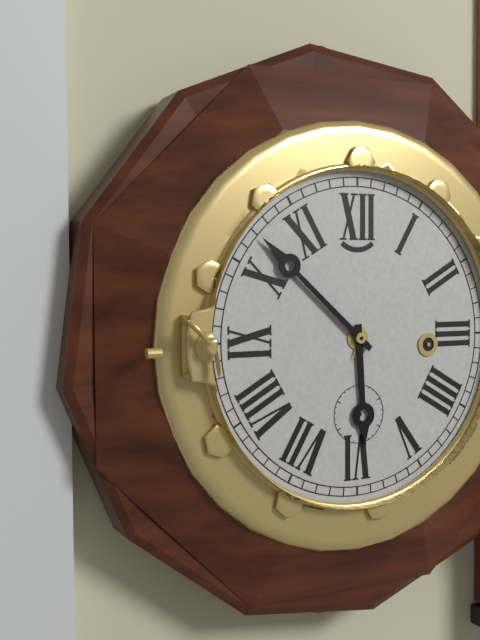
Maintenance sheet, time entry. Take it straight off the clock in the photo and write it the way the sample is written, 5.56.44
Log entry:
5.52.01
